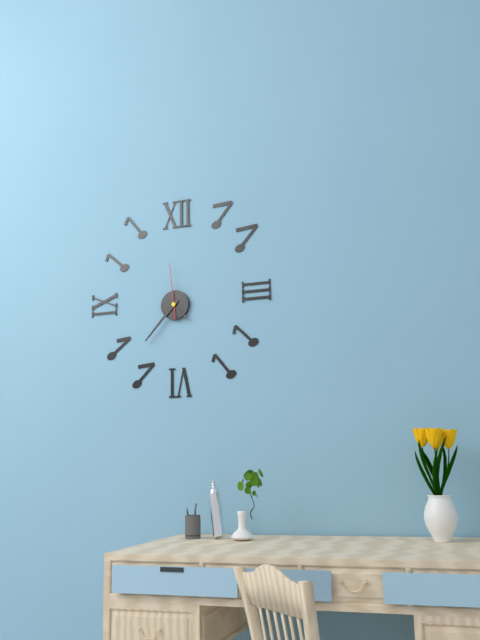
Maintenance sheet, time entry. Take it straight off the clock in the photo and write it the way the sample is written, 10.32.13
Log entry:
4.37.59
